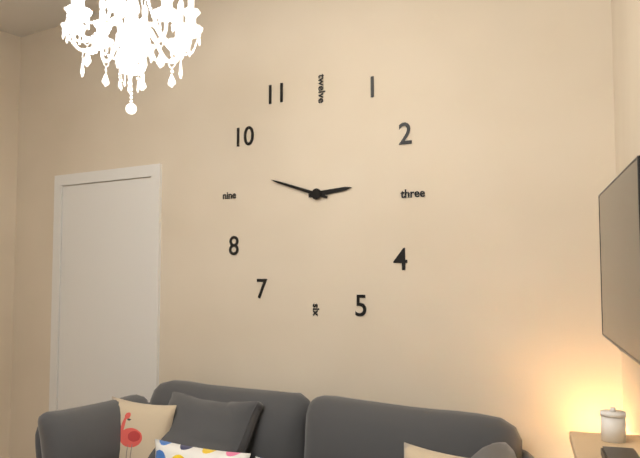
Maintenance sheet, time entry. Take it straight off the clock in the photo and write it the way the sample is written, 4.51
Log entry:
2.48
